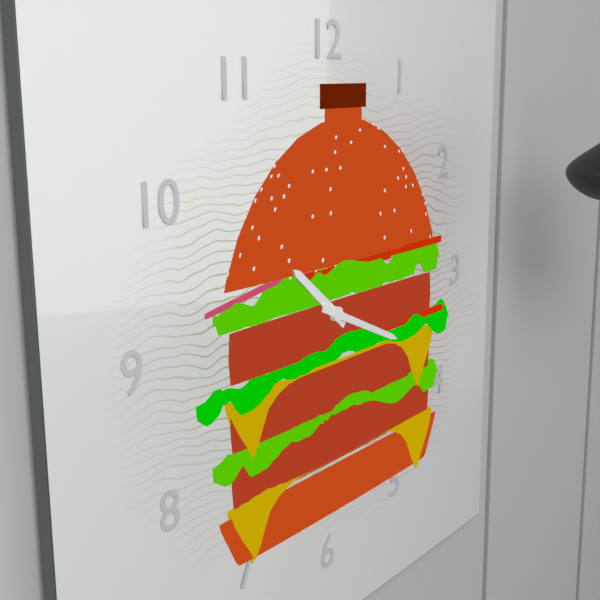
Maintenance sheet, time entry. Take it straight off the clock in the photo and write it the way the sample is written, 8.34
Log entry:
10.19
